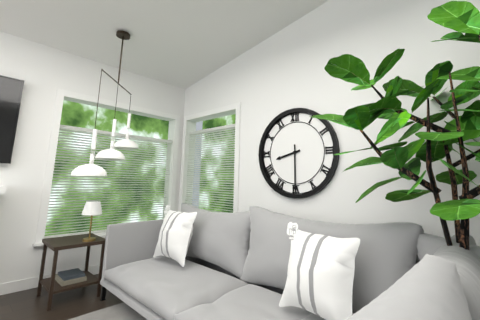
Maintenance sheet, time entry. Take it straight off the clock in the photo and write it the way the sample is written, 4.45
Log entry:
8.30
